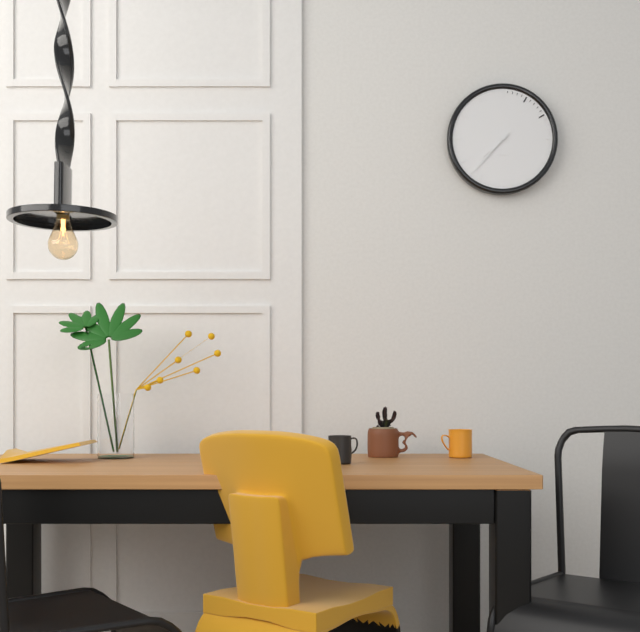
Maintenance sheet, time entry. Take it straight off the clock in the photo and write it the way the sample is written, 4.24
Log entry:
7.37
